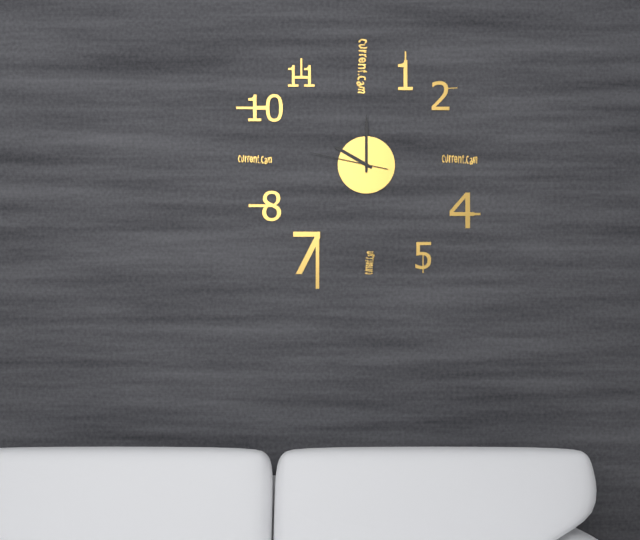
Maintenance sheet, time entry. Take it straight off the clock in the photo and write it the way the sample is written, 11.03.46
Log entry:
10.00.47
